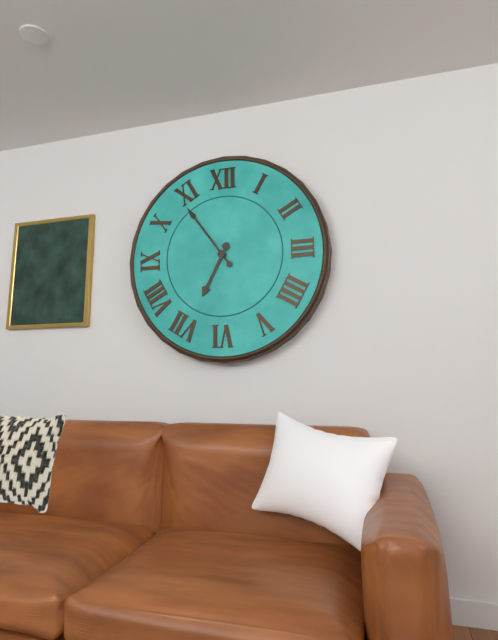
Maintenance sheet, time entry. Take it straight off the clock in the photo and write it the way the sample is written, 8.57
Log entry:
6.54
